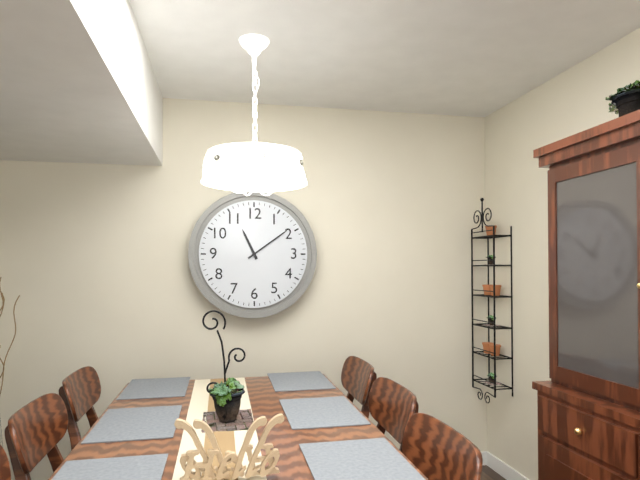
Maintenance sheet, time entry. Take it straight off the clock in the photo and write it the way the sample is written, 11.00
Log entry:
11.09
